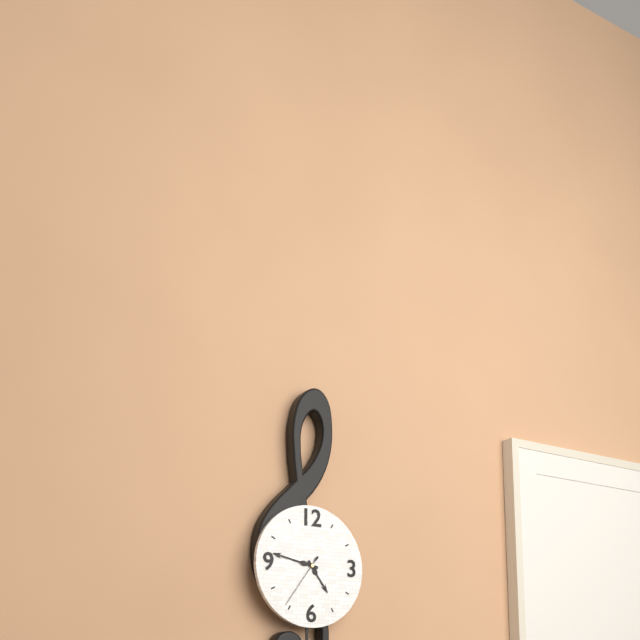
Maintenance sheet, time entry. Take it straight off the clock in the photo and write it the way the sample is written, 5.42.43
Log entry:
4.47.36
